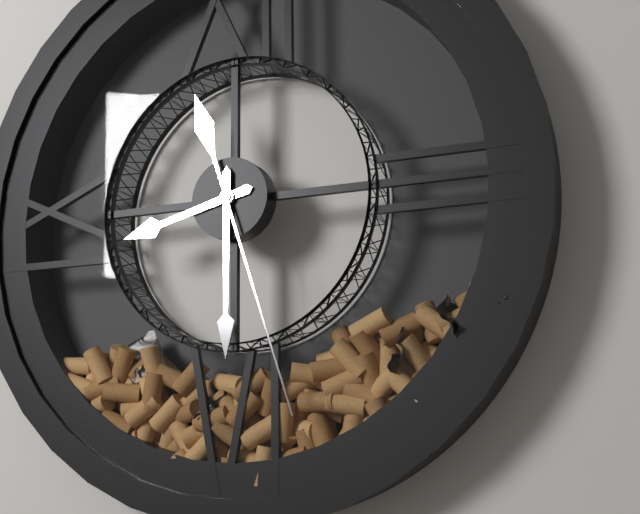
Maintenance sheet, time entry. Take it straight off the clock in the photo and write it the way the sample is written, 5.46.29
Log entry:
8.30.27
